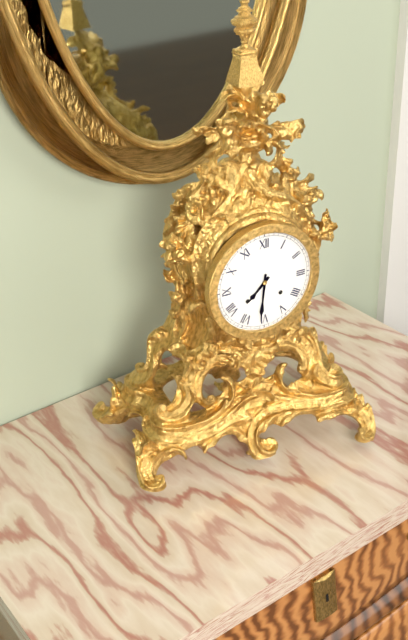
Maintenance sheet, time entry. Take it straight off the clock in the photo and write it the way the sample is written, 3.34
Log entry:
7.31
